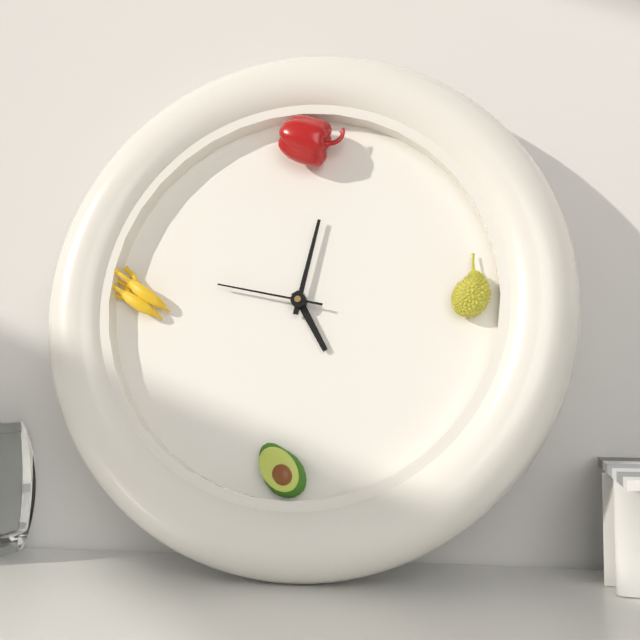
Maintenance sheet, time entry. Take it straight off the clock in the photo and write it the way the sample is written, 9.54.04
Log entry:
5.02.47
